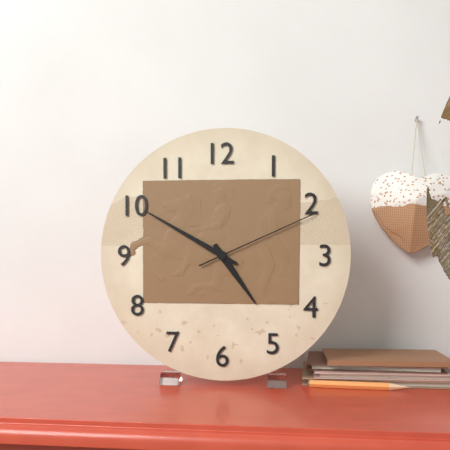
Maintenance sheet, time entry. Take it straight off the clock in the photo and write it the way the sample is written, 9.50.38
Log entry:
4.50.11
